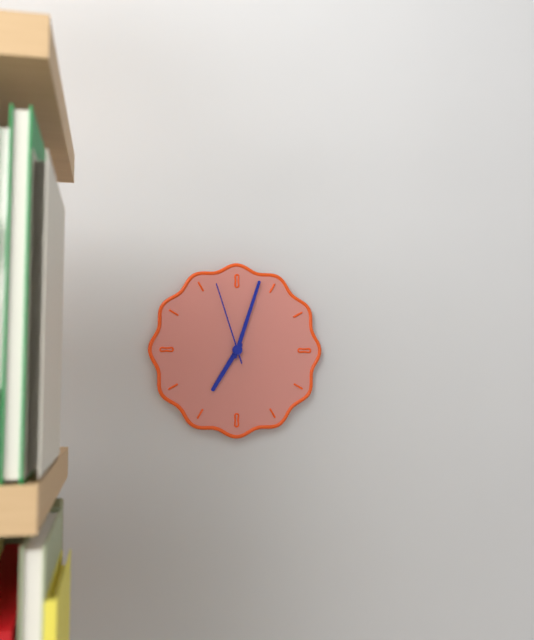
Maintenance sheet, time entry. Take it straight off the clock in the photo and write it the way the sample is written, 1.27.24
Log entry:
7.03.57
